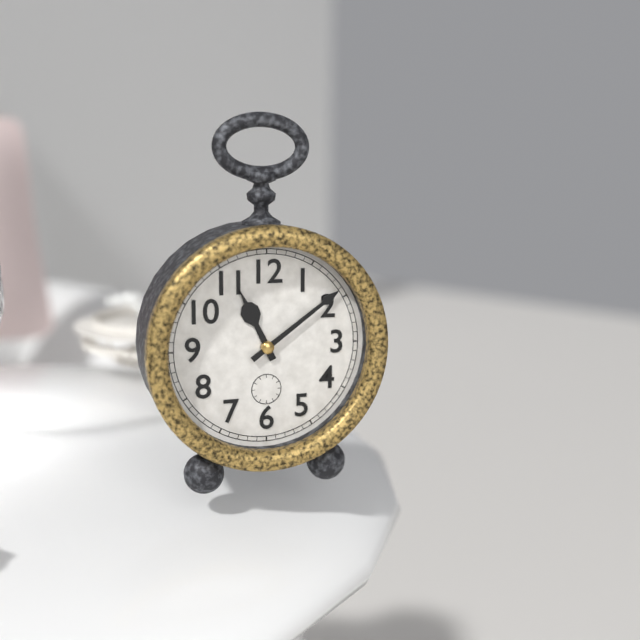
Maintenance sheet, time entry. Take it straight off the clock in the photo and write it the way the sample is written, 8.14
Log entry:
11.09
